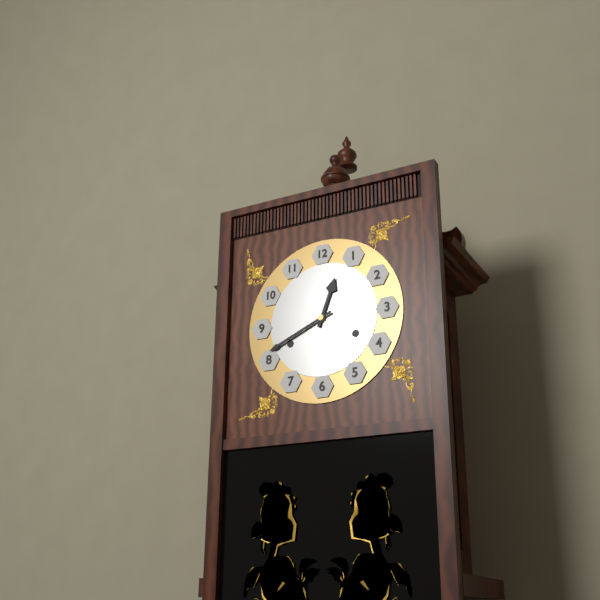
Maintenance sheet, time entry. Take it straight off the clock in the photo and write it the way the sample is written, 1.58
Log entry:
12.41
